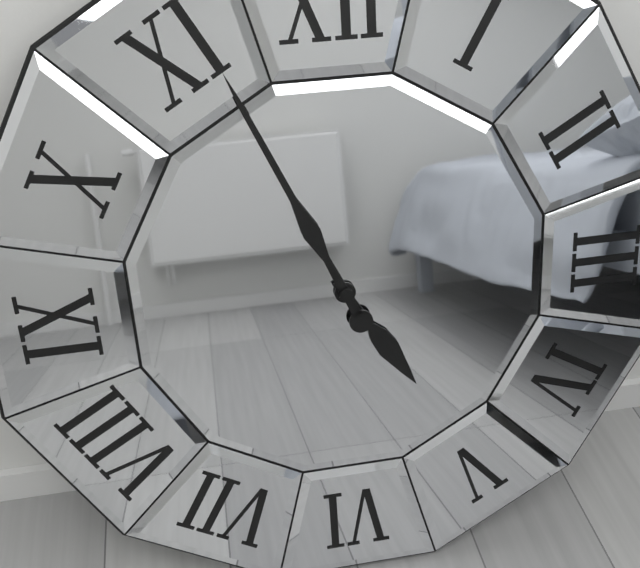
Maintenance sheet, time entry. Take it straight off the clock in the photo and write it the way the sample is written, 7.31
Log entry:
4.56
